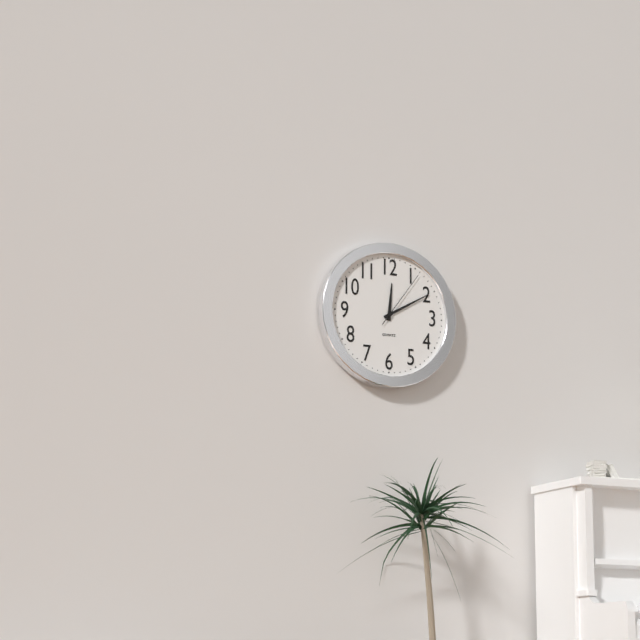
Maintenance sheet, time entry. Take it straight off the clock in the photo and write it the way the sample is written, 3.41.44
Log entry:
12.10.06
